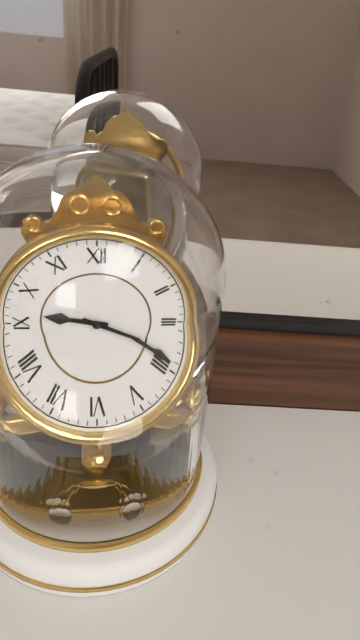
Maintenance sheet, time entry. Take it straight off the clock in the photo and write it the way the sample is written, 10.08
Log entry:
9.19
